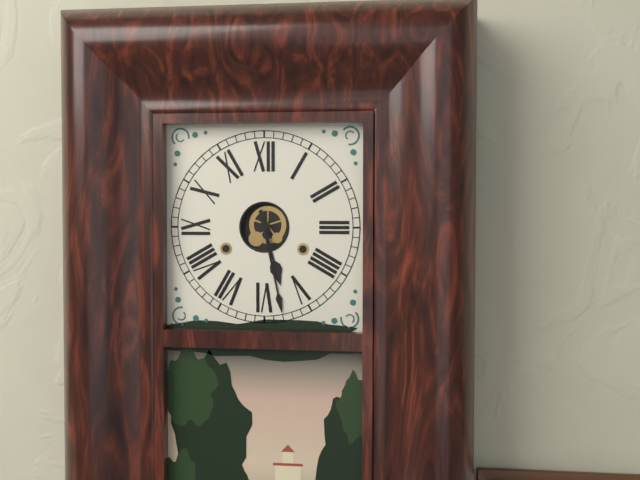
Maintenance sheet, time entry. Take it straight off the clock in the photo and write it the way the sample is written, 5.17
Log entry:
5.28
